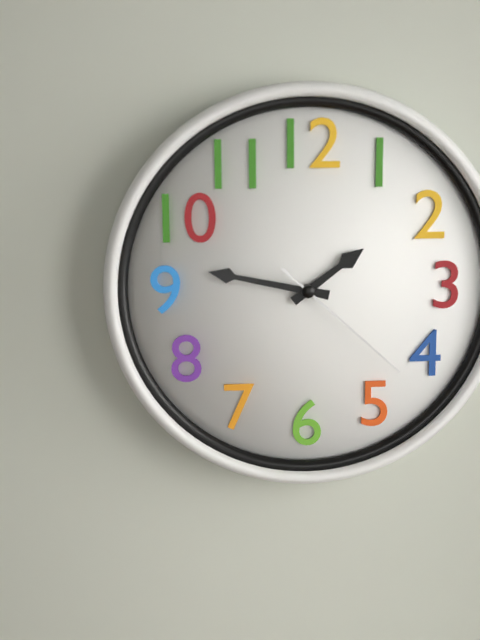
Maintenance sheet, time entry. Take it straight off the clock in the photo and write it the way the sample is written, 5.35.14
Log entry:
1.47.22
